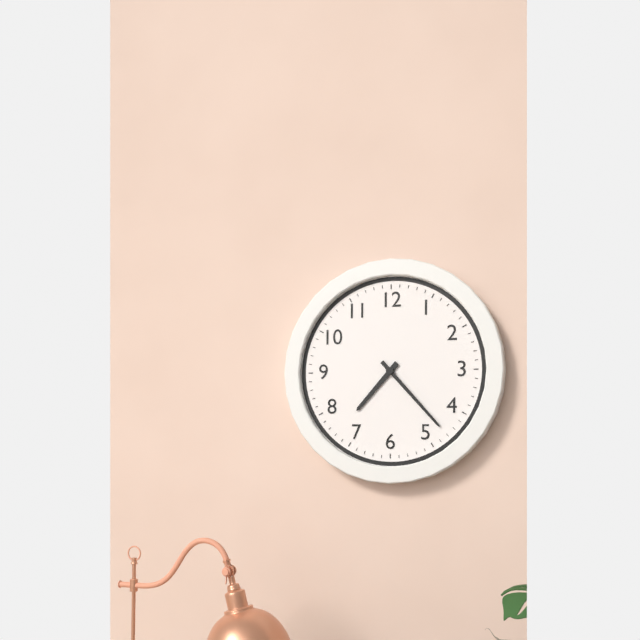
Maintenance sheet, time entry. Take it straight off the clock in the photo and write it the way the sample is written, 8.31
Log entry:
7.23
